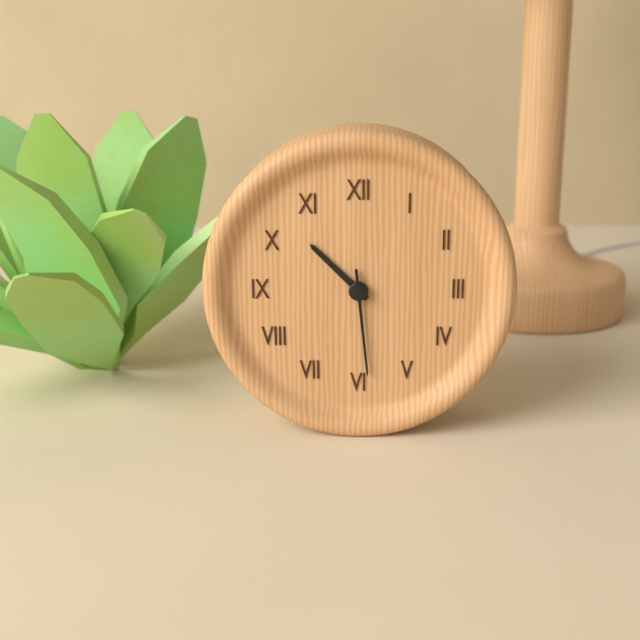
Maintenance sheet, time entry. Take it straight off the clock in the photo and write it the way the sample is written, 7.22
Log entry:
10.29
